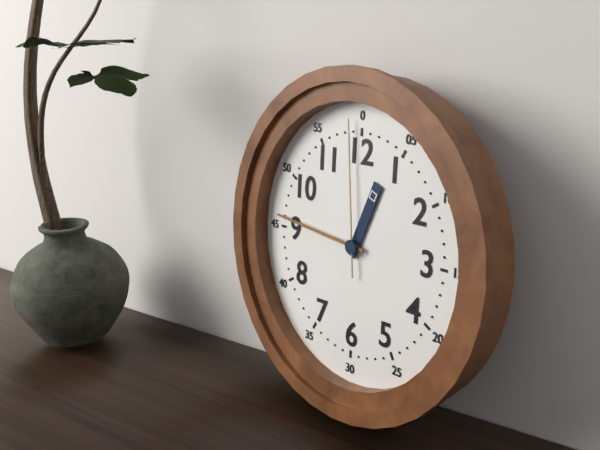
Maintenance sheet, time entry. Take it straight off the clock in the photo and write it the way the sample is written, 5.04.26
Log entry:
12.46.59
